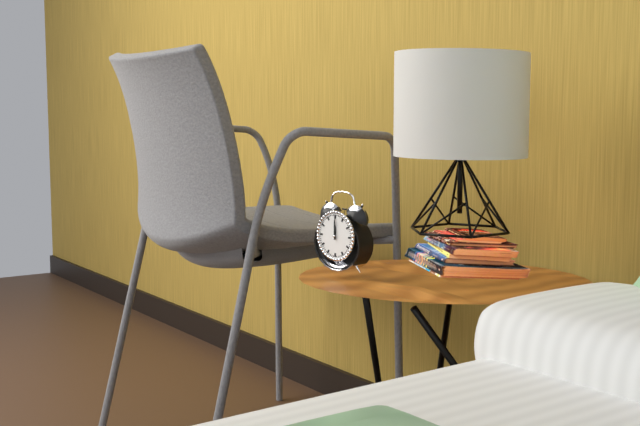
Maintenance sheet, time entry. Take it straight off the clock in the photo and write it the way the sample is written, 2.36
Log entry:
12.00
